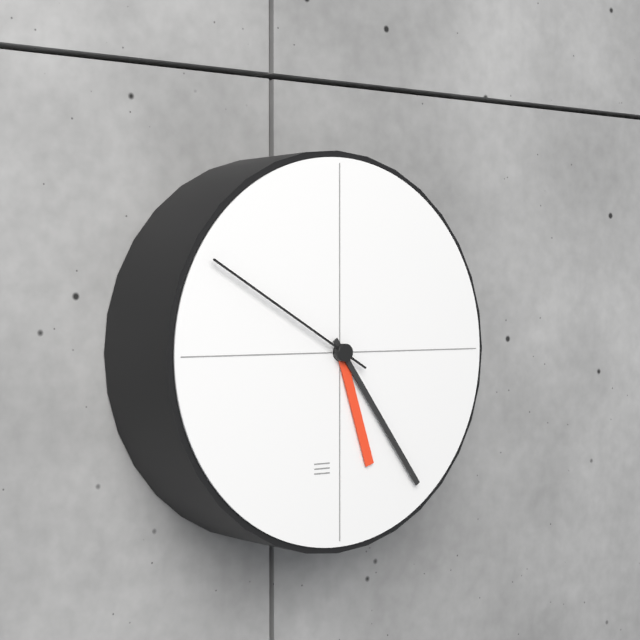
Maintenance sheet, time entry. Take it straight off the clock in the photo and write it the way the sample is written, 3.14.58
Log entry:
5.24.50
